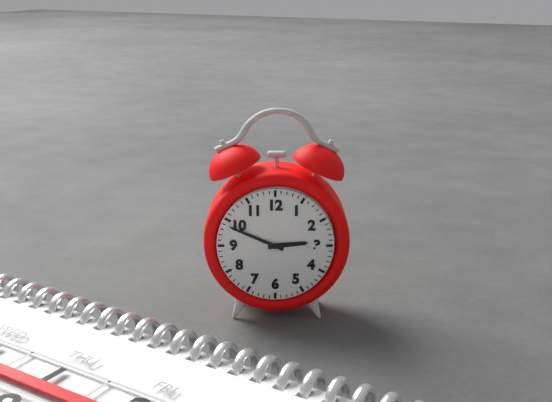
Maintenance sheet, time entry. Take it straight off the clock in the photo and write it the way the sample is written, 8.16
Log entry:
2.49
